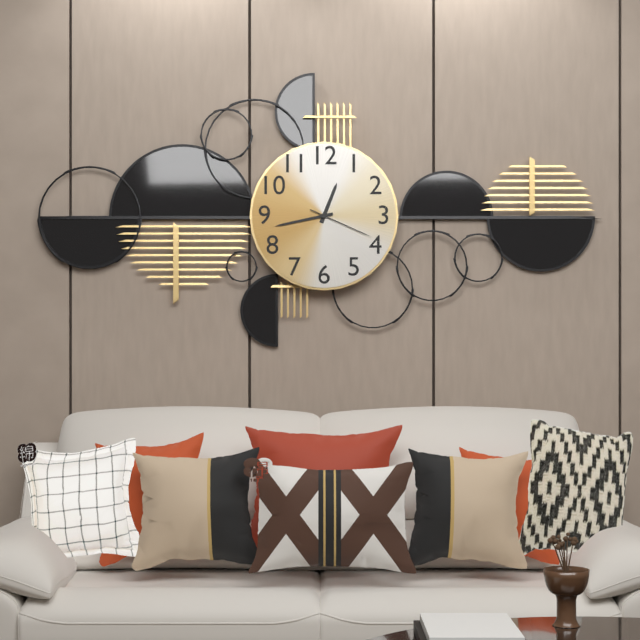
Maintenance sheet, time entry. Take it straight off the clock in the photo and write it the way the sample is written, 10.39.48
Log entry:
12.43.19
